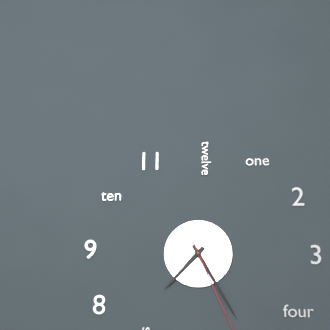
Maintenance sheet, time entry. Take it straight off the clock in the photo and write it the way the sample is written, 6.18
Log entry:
7.25
